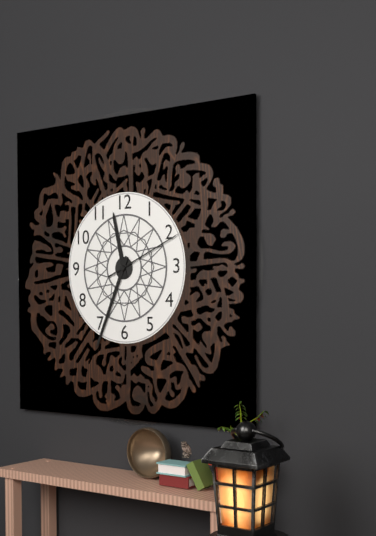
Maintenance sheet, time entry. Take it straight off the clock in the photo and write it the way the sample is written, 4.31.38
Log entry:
11.34.11
